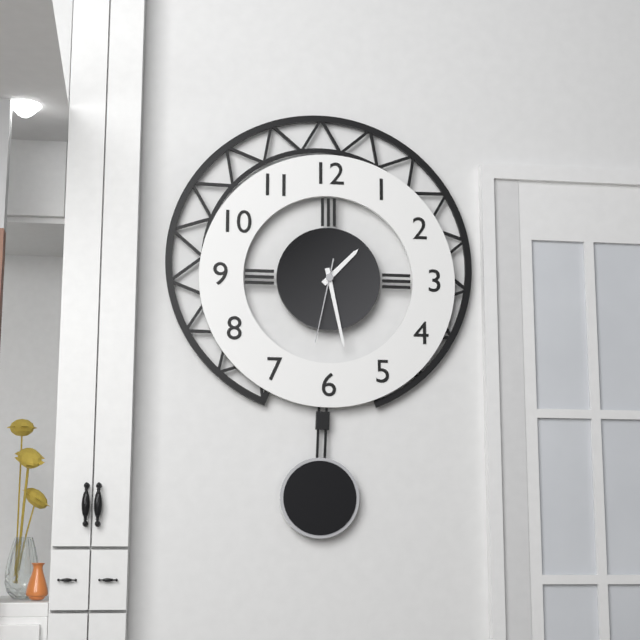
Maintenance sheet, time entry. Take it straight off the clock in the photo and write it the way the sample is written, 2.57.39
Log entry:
1.28.32
